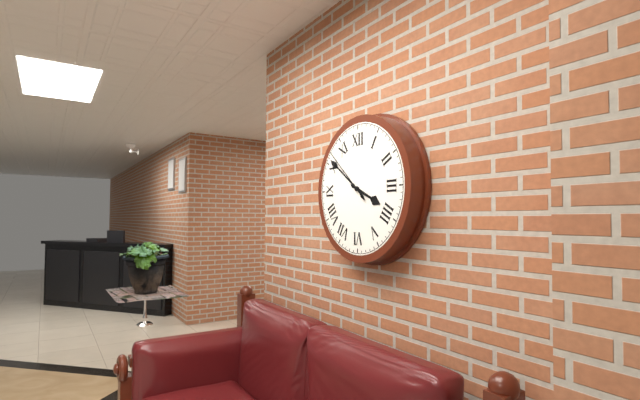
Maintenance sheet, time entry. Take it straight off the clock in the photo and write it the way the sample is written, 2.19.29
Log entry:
3.51.52
